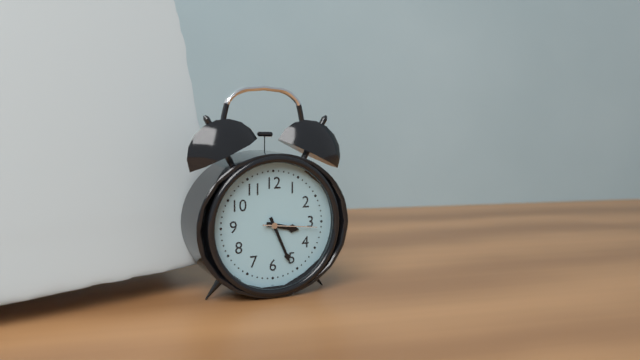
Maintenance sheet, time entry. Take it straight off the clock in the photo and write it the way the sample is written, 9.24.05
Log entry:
3.26.16
